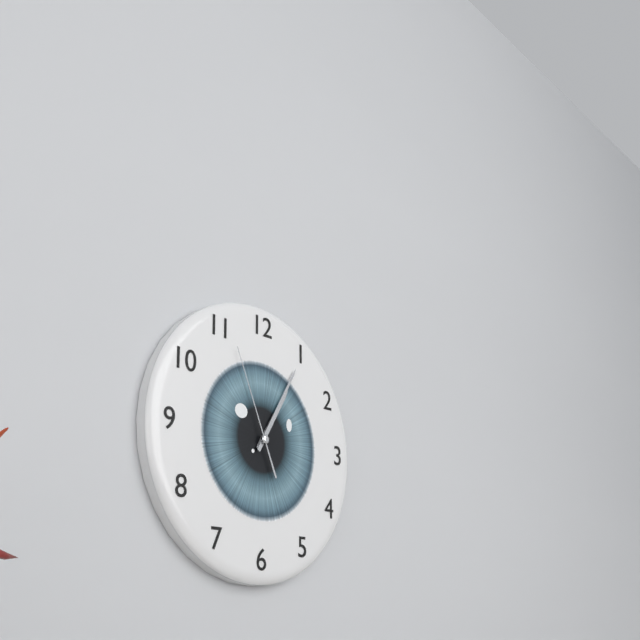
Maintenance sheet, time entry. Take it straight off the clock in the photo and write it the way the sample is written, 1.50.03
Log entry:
1.05.56
